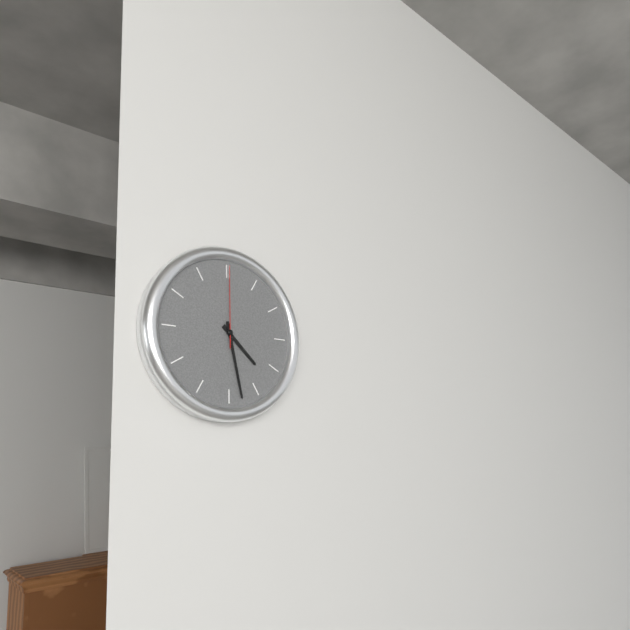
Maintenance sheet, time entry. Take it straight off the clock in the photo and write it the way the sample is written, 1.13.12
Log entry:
4.28.00
